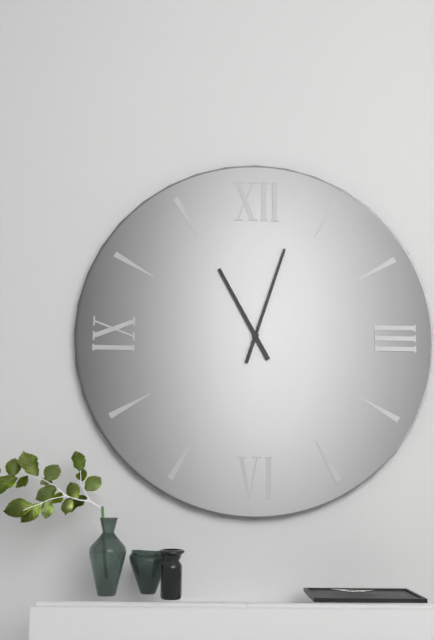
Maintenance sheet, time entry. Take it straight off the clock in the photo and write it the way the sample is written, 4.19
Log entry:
11.03
